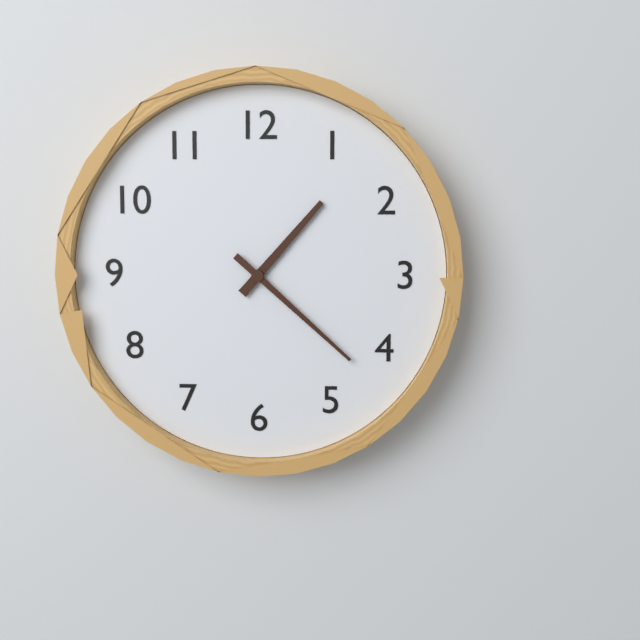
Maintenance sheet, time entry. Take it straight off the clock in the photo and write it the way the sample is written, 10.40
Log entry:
1.22
